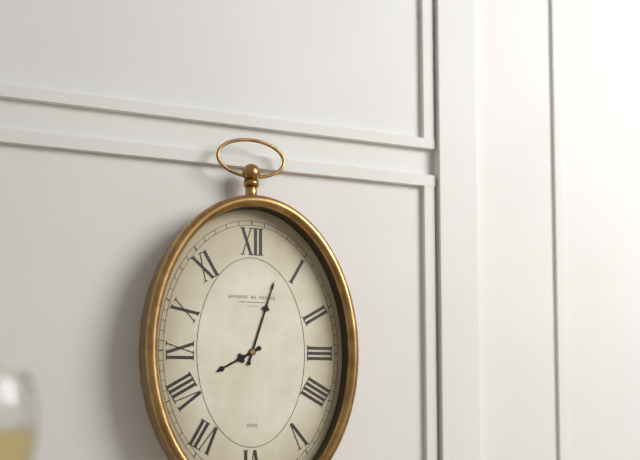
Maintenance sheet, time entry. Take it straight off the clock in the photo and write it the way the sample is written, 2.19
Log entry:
8.03
